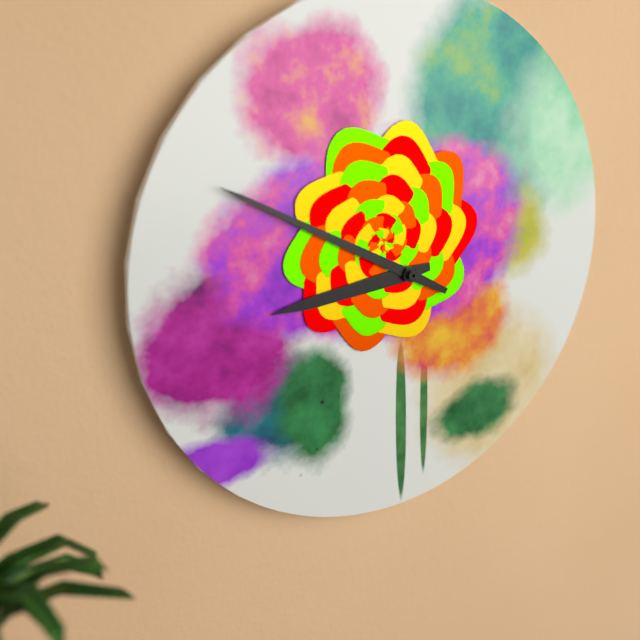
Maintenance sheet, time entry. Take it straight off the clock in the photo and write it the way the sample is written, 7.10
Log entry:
8.50
